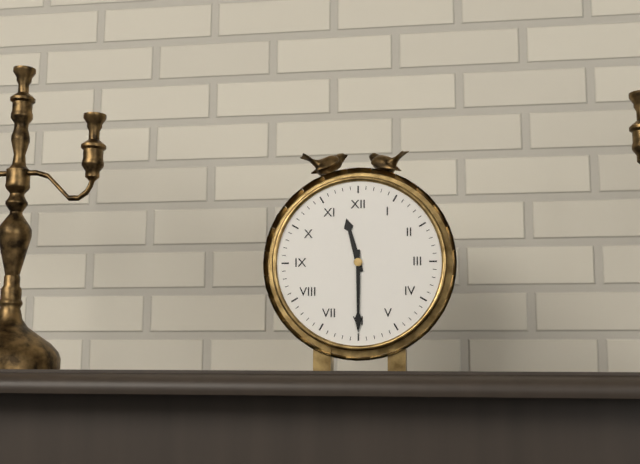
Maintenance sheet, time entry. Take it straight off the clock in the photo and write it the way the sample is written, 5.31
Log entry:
11.30
